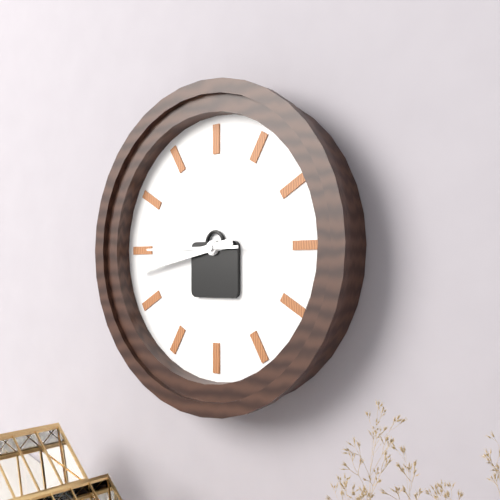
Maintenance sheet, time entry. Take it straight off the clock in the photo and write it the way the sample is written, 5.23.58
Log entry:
8.43.45
